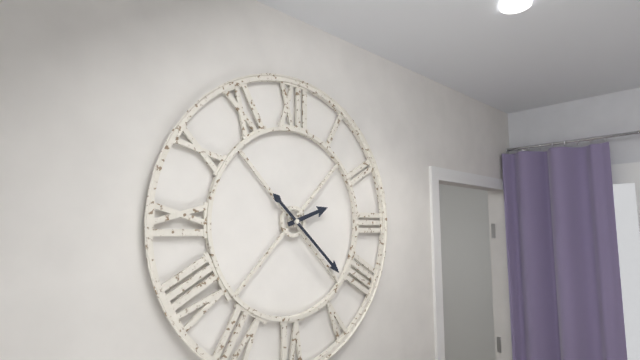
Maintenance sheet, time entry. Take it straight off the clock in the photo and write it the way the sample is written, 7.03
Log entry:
2.22
